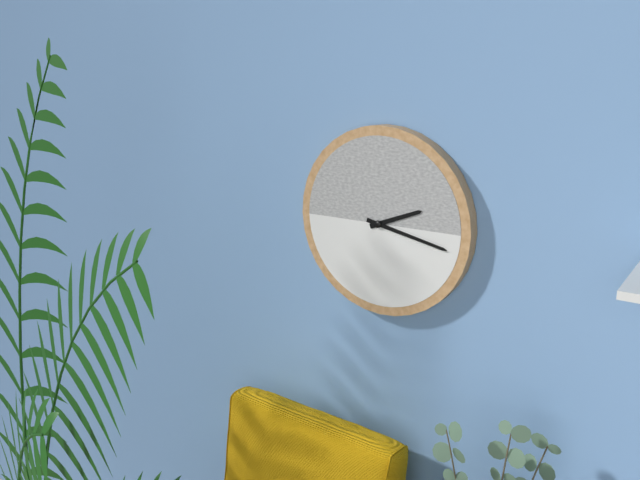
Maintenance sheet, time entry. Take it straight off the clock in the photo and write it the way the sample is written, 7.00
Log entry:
2.17
